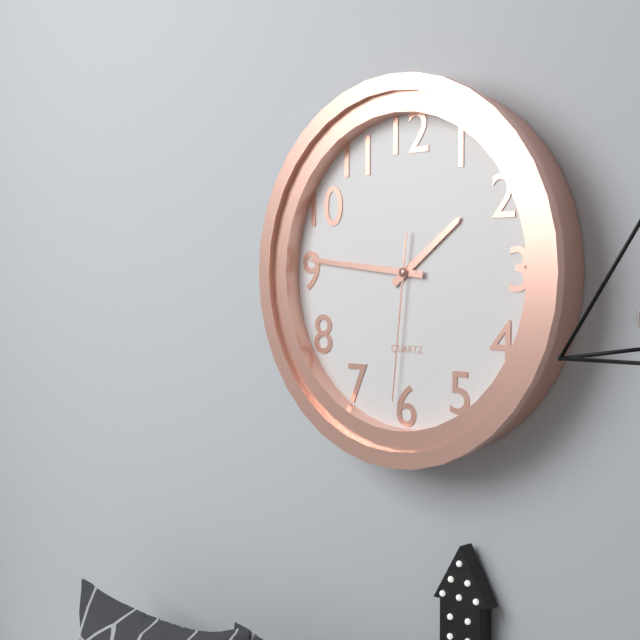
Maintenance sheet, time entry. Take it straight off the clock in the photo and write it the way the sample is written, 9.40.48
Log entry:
1.46.31
